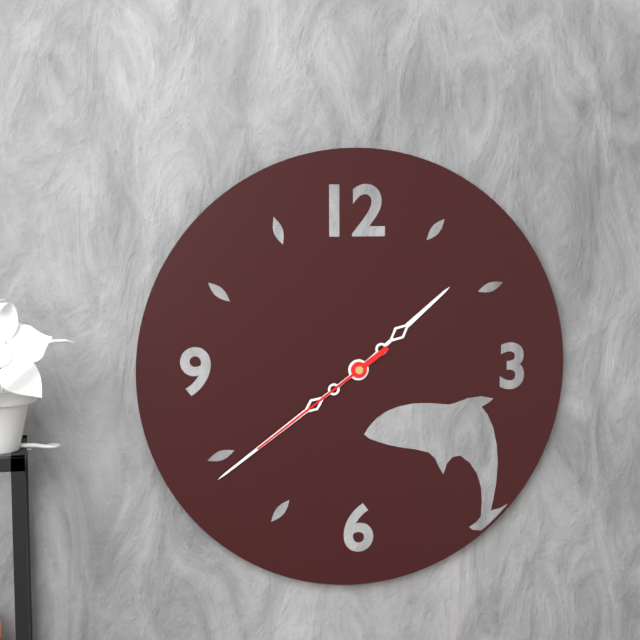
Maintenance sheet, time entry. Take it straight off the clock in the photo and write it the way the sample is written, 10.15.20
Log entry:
1.39.39
